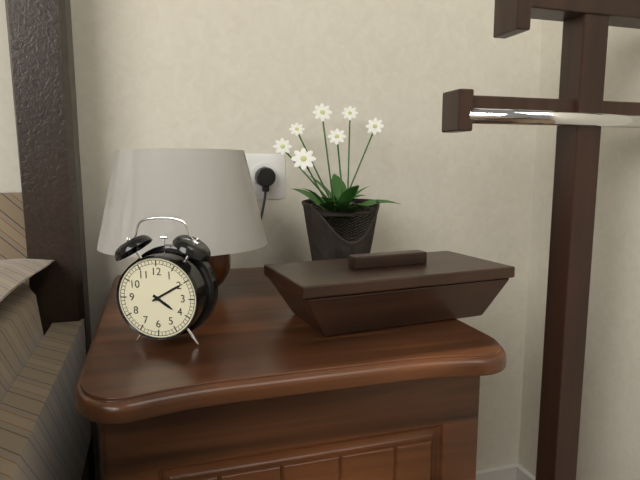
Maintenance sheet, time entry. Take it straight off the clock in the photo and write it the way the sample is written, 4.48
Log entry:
4.10
